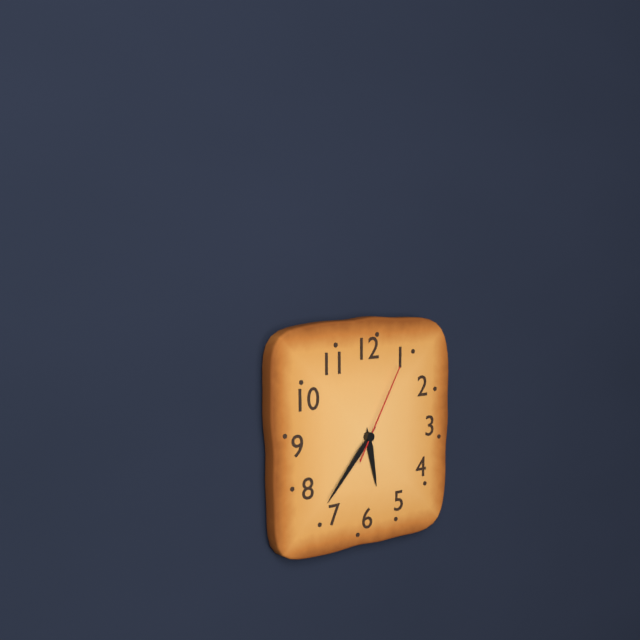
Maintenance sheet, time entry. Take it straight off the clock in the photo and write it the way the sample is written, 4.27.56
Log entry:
5.37.05
